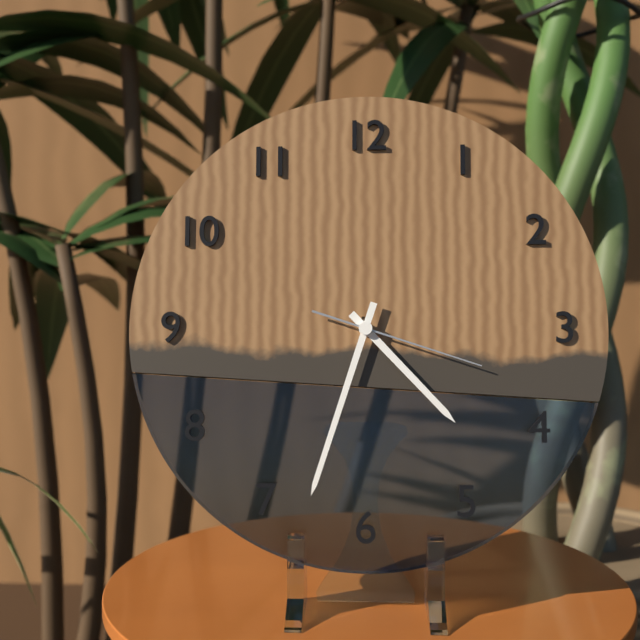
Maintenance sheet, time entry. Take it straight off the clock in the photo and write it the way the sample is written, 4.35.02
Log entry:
4.33.18
